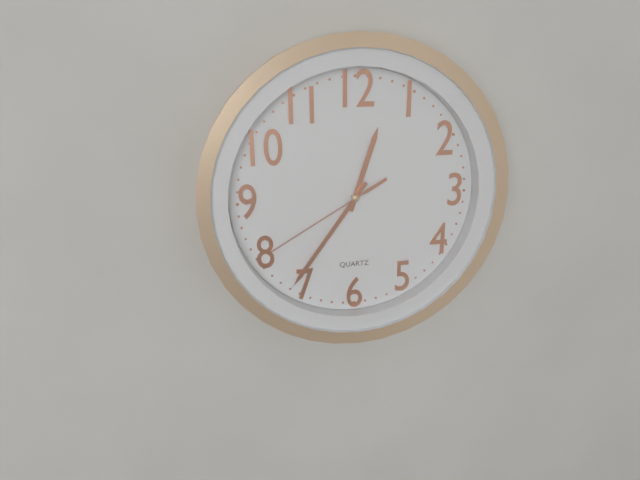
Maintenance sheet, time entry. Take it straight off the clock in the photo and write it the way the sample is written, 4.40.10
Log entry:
12.36.40
